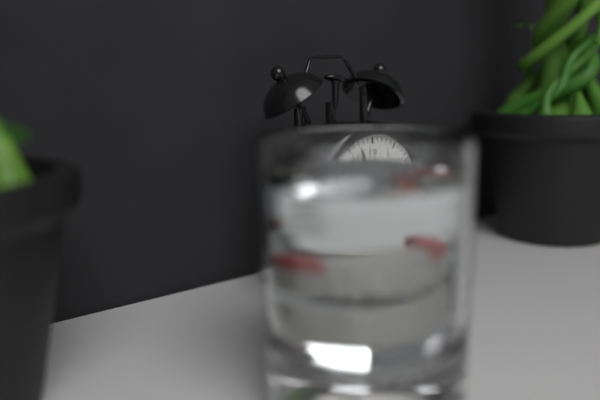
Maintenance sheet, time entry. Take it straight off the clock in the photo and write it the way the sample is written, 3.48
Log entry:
5.57
